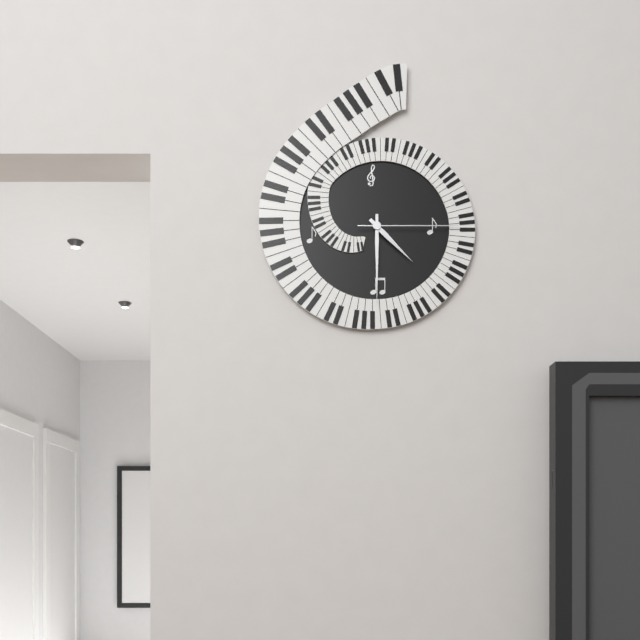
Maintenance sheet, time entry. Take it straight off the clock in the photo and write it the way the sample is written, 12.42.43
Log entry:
4.30.15
